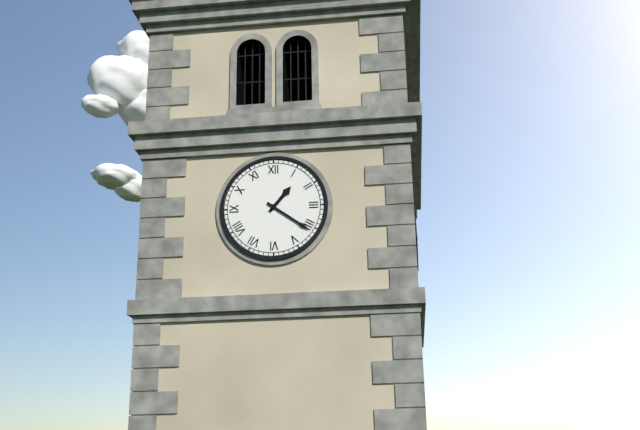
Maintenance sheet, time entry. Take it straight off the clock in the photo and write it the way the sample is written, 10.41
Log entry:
1.21
